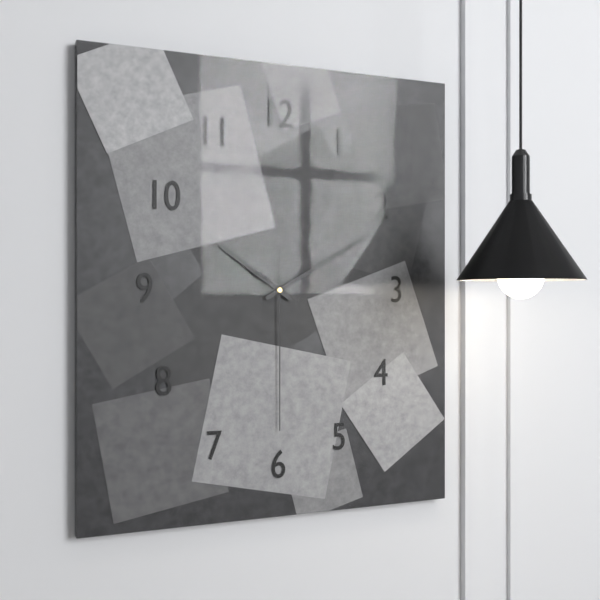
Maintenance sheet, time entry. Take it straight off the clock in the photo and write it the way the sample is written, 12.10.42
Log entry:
10.10.30
